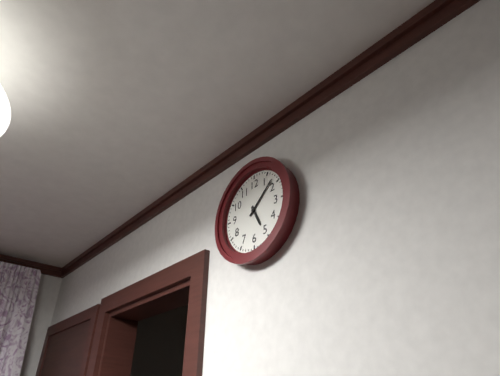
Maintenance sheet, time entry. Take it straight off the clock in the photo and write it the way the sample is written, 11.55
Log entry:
5.08
